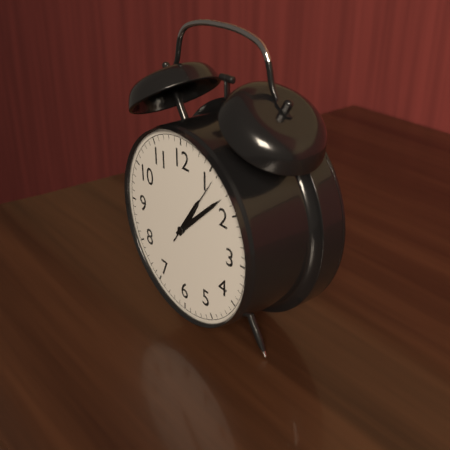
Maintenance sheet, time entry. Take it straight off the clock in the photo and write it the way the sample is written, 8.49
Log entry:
1.08
